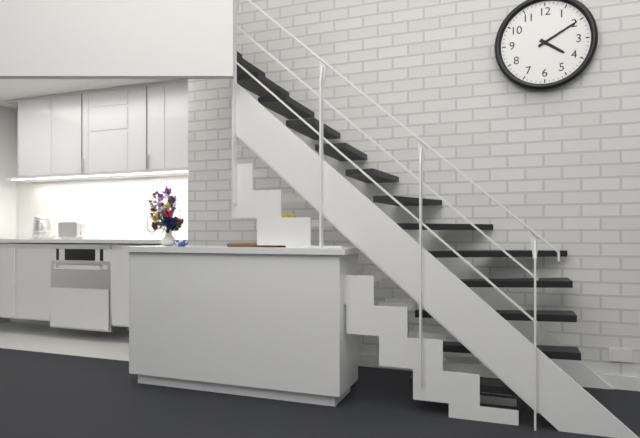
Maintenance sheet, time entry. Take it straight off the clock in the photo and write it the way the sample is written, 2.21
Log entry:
4.10
